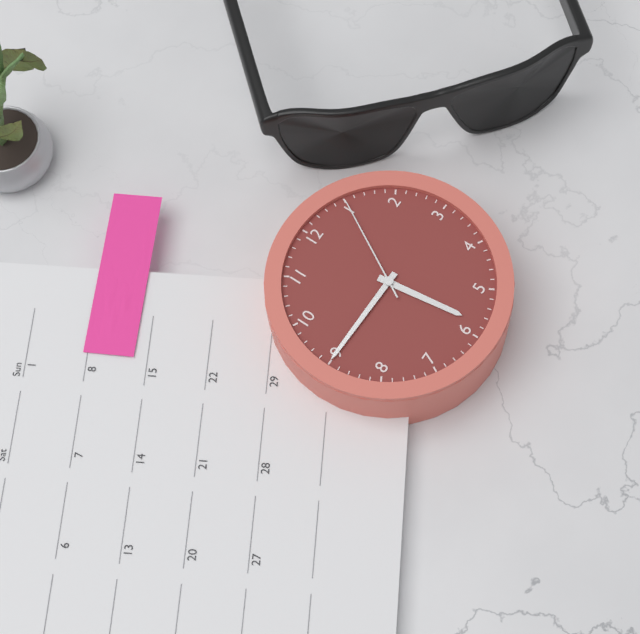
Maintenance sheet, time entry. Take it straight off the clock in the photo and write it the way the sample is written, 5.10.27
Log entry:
5.45.05
